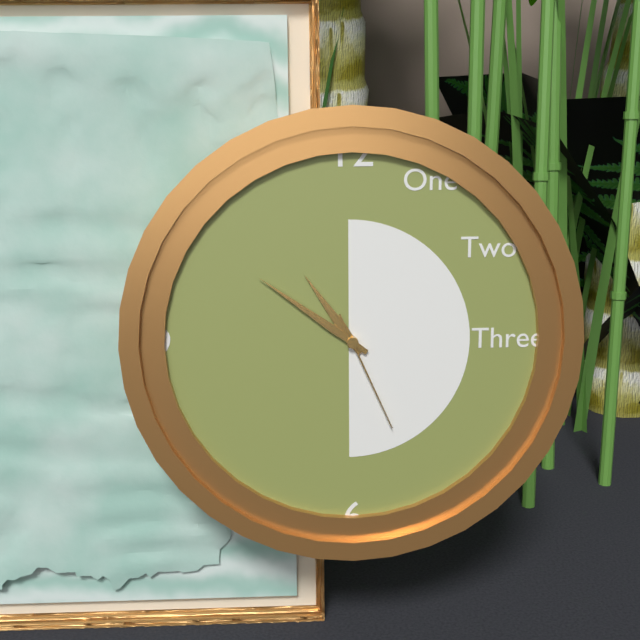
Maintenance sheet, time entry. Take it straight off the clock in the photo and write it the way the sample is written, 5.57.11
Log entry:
10.51.26
